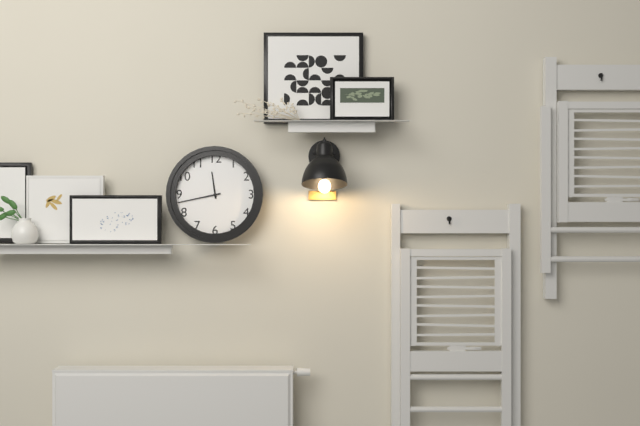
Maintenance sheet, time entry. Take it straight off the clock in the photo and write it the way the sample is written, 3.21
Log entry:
11.43
